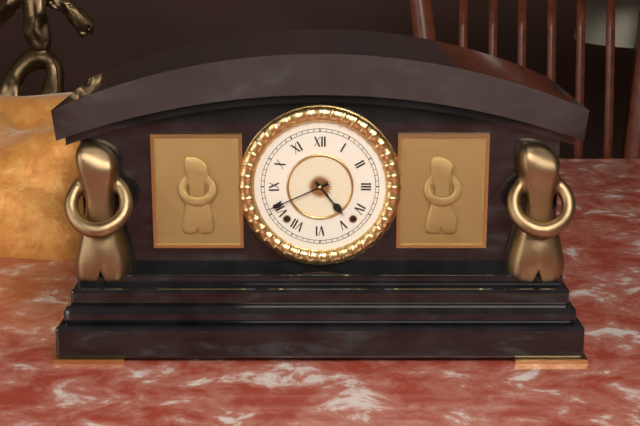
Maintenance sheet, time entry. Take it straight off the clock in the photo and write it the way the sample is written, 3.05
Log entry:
4.41
